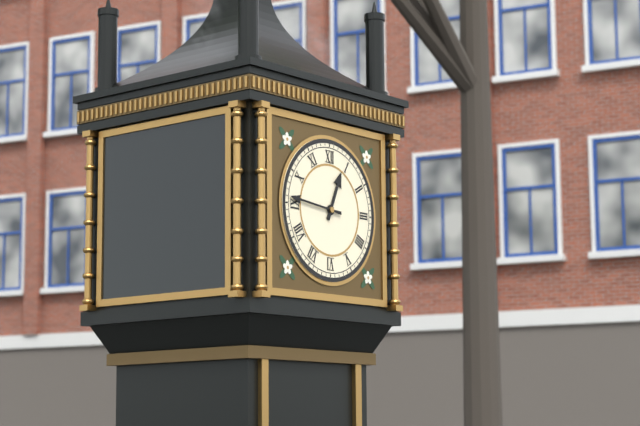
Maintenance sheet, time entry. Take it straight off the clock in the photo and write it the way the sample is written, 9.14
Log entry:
12.46
